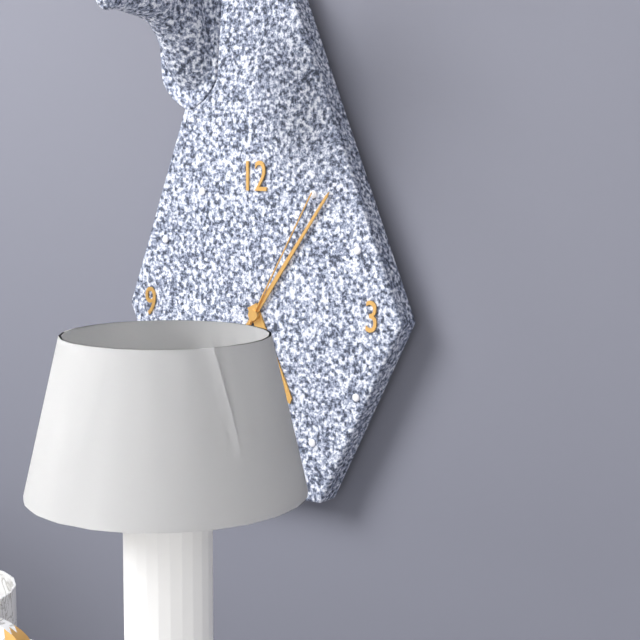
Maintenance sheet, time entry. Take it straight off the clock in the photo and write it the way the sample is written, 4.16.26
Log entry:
5.06.05
